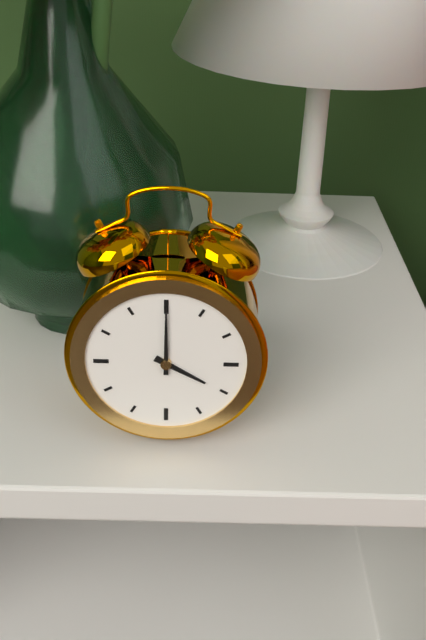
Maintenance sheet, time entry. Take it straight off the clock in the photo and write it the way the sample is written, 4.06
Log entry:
4.00
